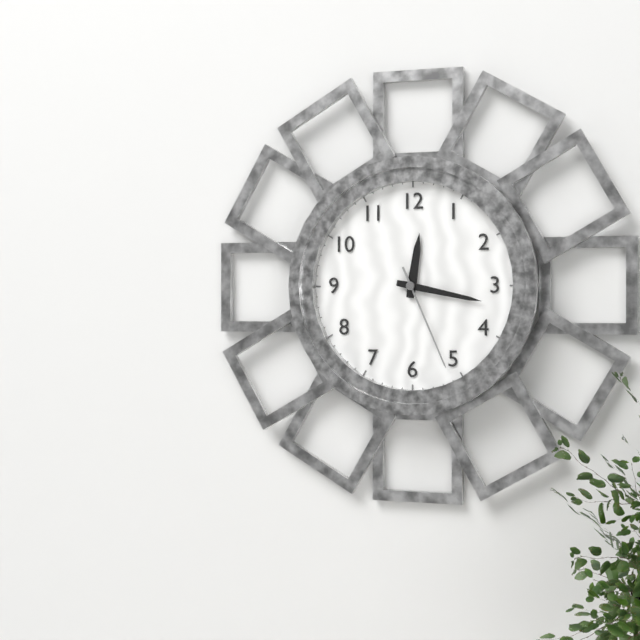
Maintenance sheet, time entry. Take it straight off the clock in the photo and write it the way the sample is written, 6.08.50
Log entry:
12.17.26
